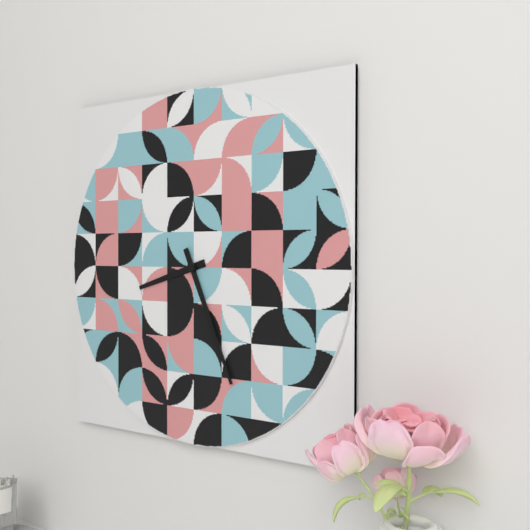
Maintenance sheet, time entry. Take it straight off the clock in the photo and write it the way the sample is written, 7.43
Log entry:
8.26
